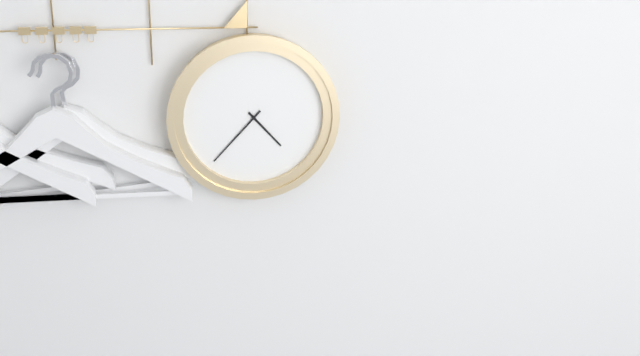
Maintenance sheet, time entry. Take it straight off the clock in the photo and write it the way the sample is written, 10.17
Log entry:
4.37
